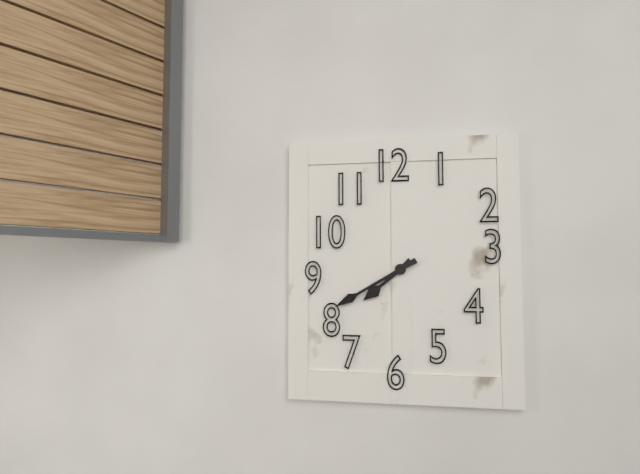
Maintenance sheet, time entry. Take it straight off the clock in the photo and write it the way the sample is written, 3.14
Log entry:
7.40
